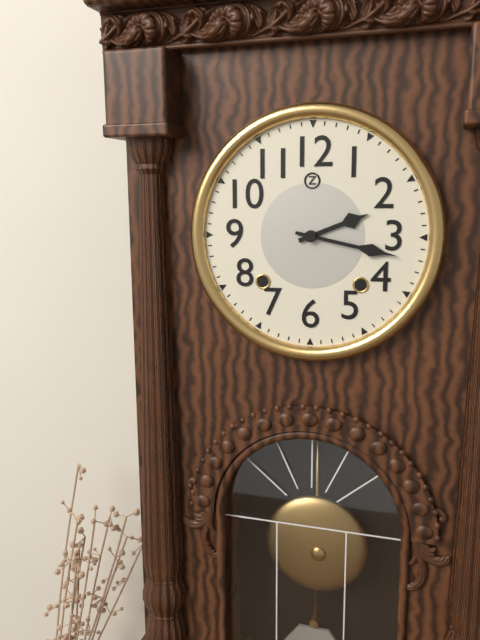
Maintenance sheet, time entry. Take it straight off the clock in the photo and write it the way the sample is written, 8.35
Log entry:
2.17
